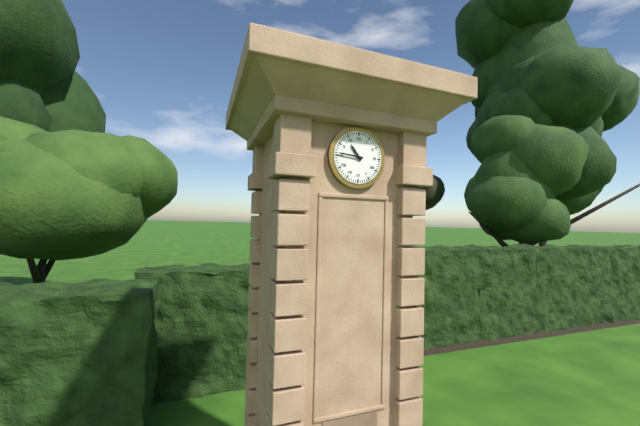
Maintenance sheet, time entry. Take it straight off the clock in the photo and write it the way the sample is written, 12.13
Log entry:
10.46
